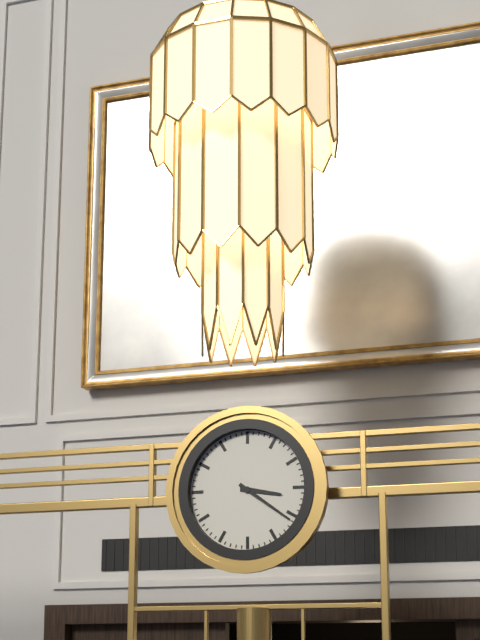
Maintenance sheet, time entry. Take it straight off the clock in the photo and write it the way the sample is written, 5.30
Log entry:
3.21
